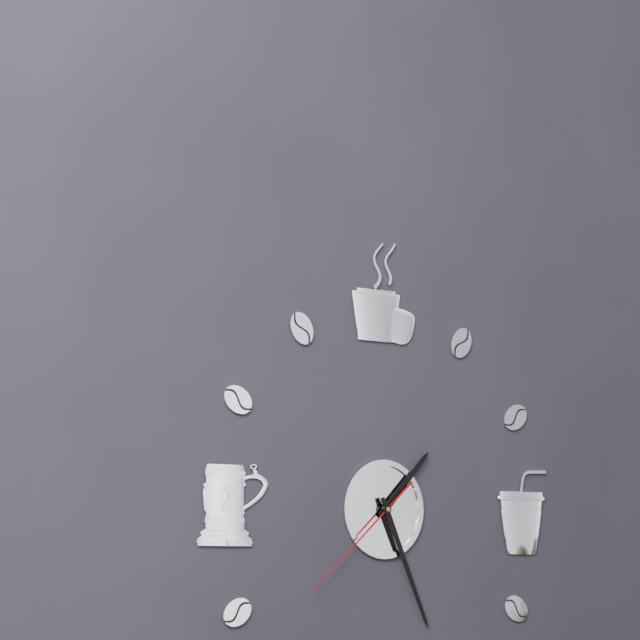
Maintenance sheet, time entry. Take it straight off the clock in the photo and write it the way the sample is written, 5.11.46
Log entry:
1.26.38
